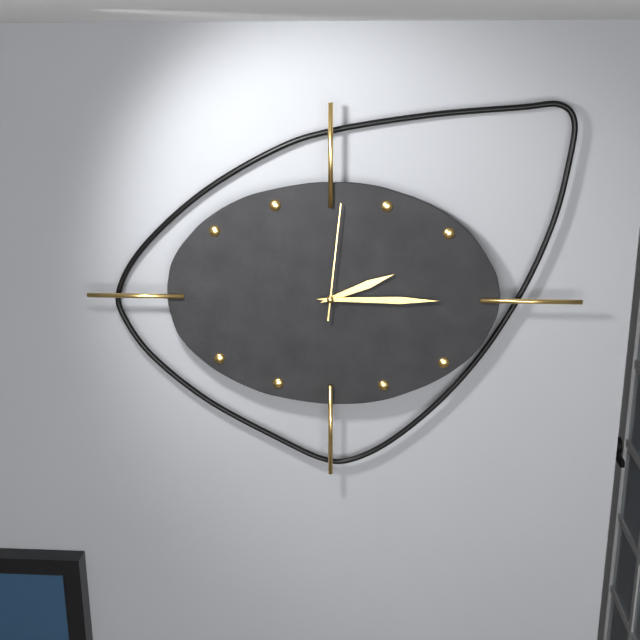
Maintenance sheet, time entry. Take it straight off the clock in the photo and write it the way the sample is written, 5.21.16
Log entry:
2.15.01
